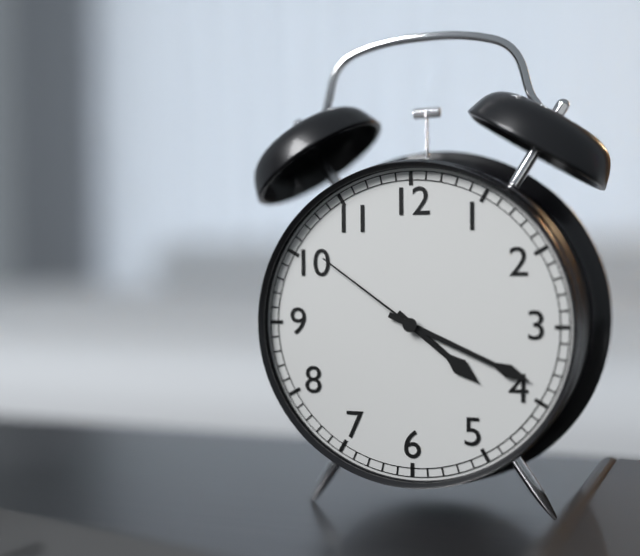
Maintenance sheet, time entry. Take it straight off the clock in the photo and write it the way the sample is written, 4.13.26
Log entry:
4.19.51
